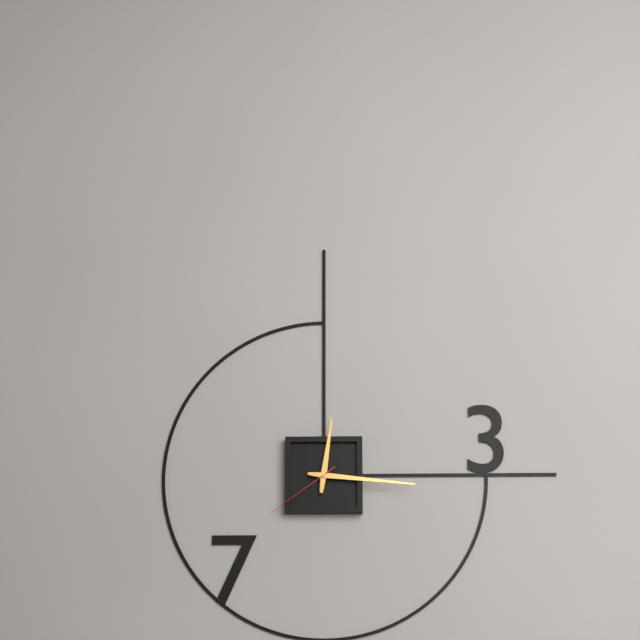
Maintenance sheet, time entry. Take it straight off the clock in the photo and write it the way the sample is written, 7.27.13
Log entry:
12.16.39
